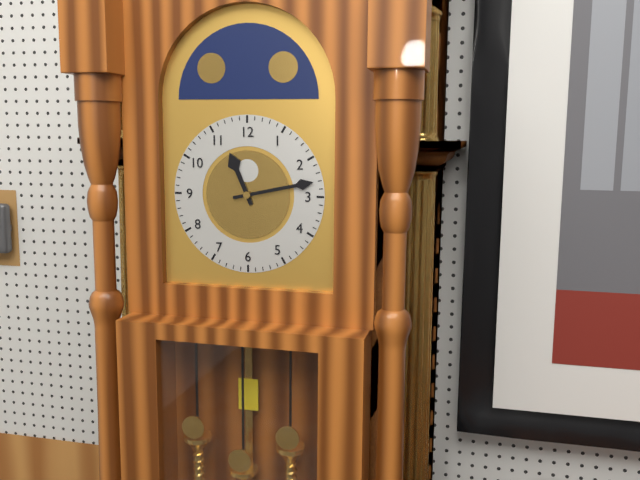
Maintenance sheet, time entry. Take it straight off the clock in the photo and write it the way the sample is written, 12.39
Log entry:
11.13
